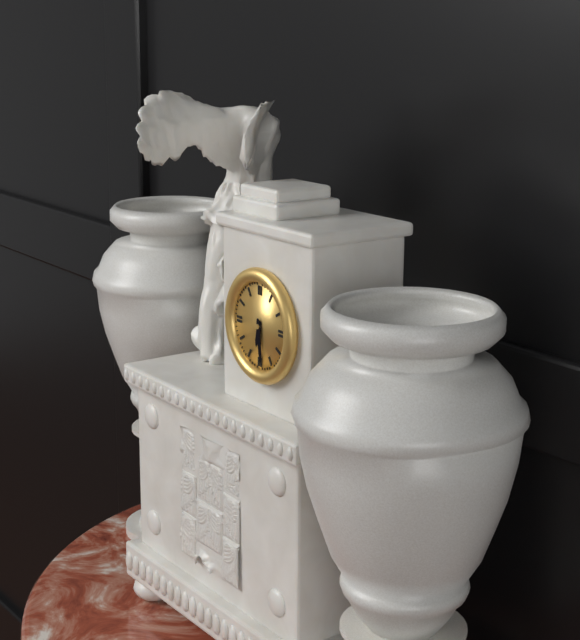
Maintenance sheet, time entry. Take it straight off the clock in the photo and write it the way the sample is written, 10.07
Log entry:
6.29
